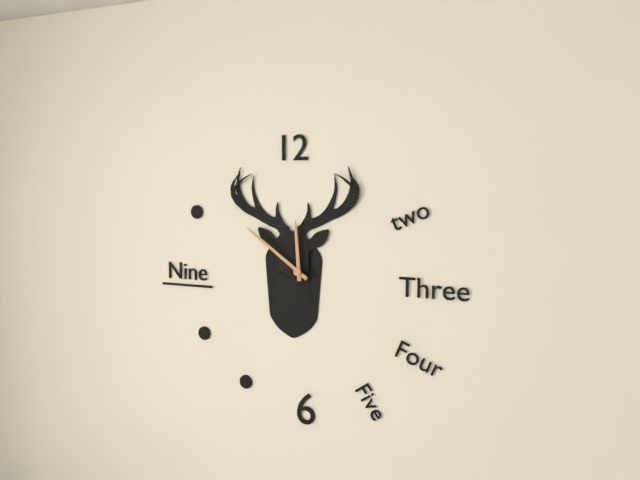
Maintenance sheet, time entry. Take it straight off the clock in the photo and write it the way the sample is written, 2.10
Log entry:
11.51
